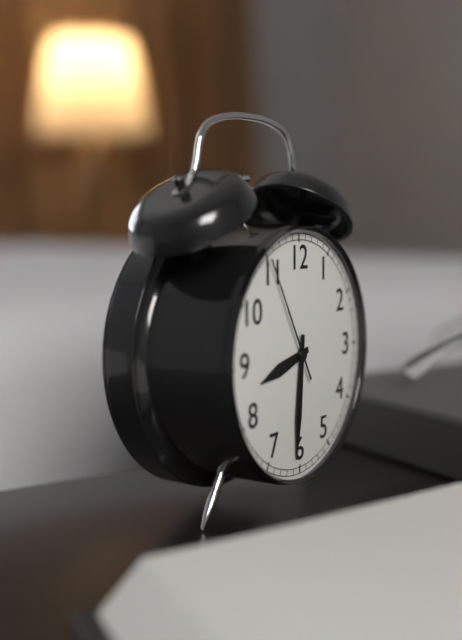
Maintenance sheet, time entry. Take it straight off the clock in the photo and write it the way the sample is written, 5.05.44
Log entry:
8.31.55
